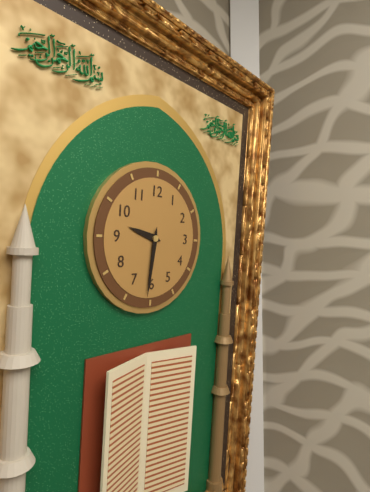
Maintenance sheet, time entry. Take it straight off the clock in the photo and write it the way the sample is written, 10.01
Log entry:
9.31
